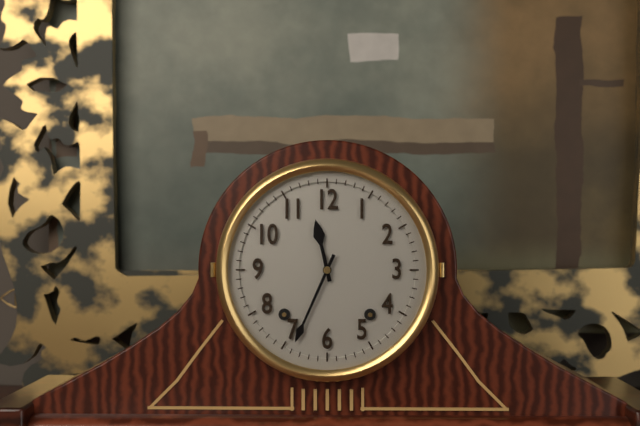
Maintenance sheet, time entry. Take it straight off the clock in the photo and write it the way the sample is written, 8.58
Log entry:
11.34
